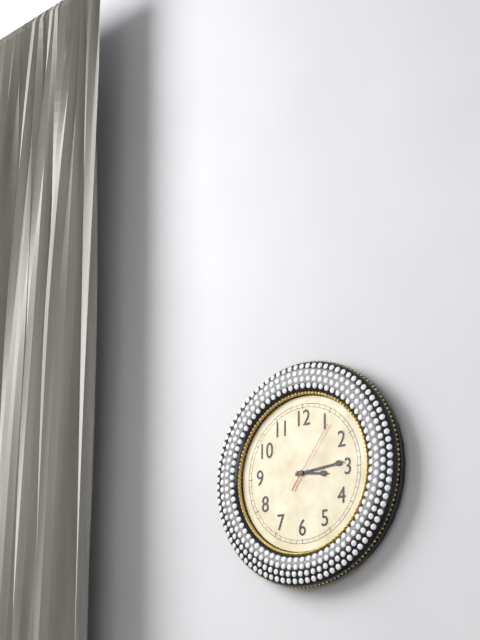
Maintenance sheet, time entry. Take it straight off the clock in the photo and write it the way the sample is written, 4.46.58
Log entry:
3.14.06
